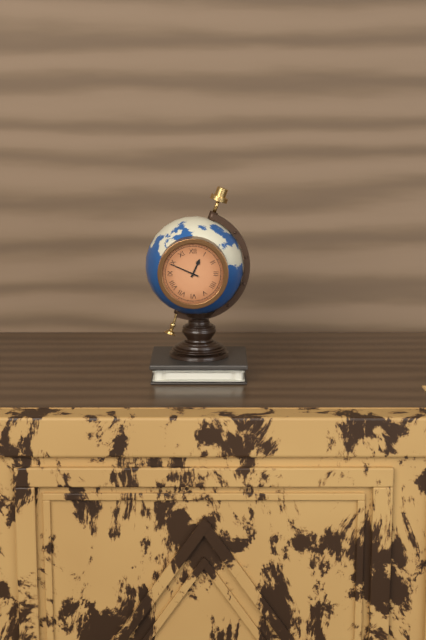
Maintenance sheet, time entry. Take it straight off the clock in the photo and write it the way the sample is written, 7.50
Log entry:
12.49
